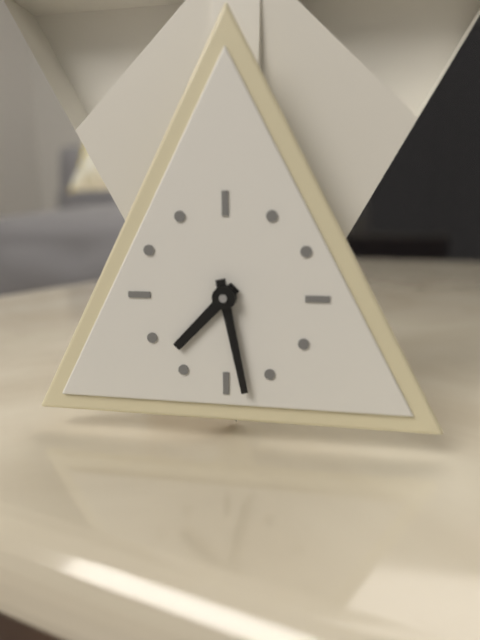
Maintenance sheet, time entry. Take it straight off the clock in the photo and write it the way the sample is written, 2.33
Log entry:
7.28
